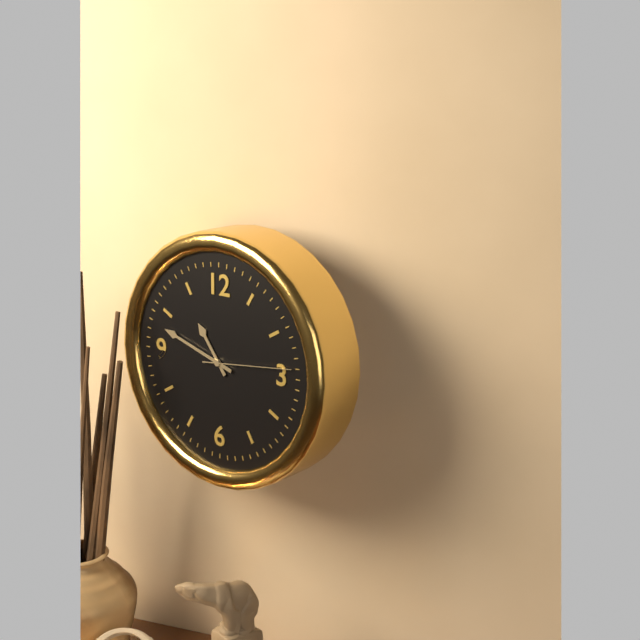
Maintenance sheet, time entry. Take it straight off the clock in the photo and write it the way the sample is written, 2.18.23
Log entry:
10.48.14
